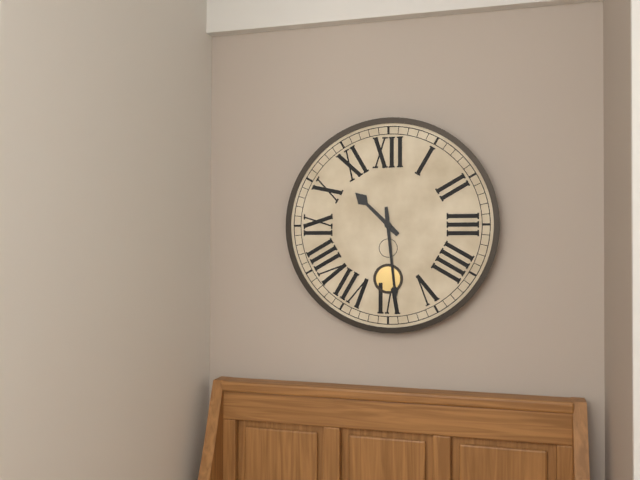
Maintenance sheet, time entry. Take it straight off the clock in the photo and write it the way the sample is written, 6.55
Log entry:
10.29
